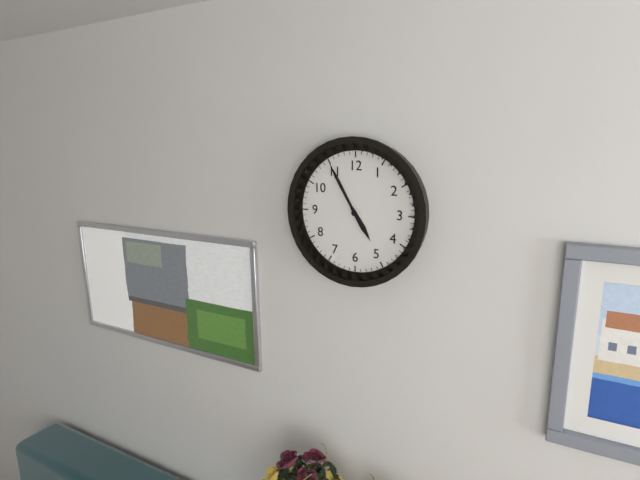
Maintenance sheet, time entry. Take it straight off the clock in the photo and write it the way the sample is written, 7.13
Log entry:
4.55
